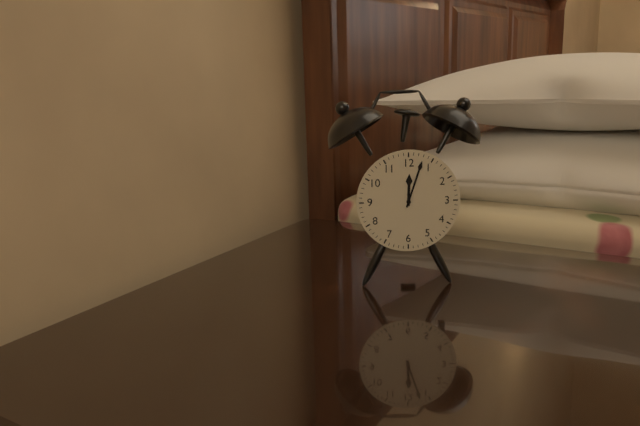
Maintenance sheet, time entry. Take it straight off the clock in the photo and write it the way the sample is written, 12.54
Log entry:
12.03
